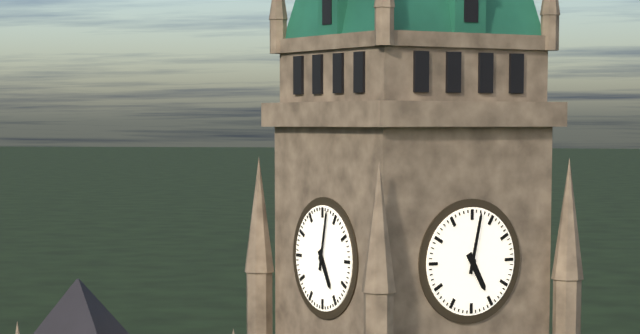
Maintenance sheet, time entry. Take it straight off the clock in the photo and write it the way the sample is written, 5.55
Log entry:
5.02
